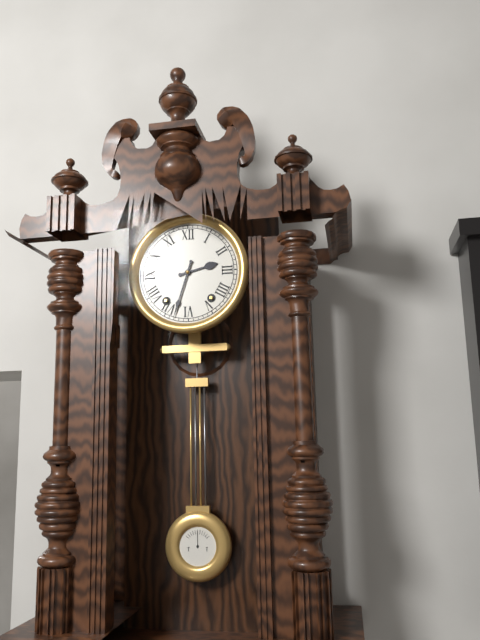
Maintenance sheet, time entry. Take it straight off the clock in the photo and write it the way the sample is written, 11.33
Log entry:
2.33
